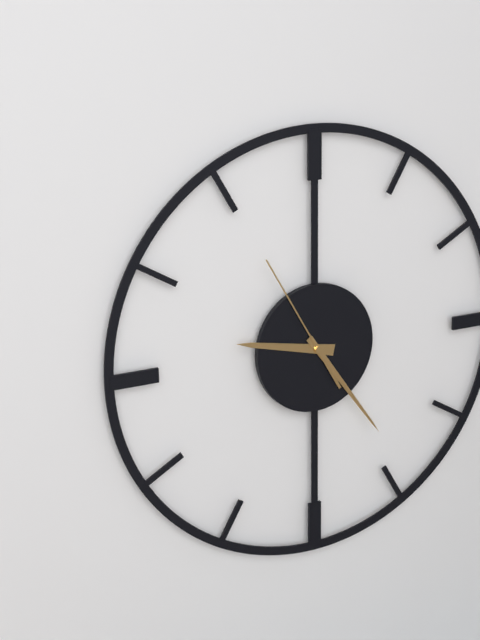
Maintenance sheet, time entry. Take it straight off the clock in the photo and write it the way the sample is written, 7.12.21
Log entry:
9.24.55
